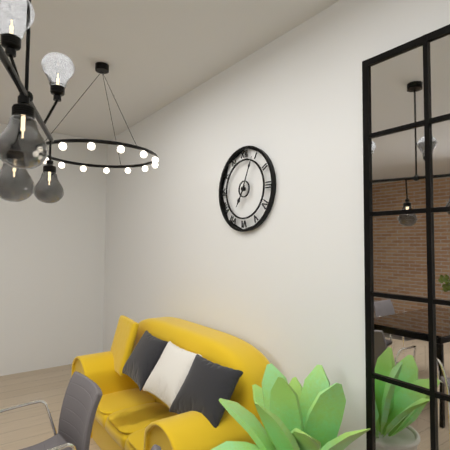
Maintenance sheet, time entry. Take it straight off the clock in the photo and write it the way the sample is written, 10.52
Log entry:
7.04
